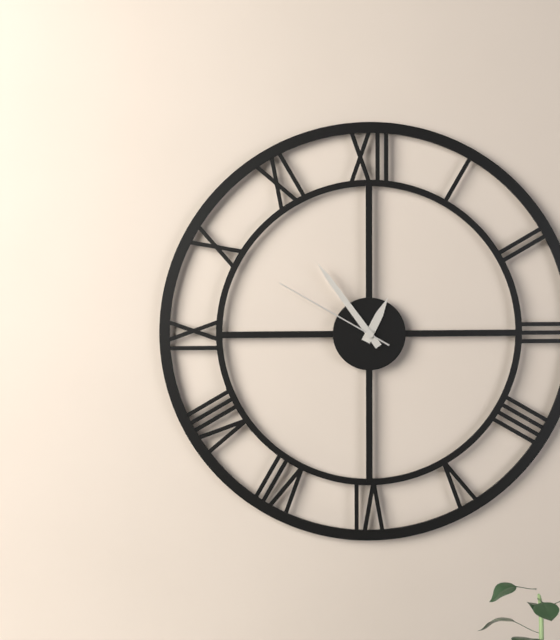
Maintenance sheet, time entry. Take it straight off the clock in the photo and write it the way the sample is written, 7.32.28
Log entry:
12.54.50
